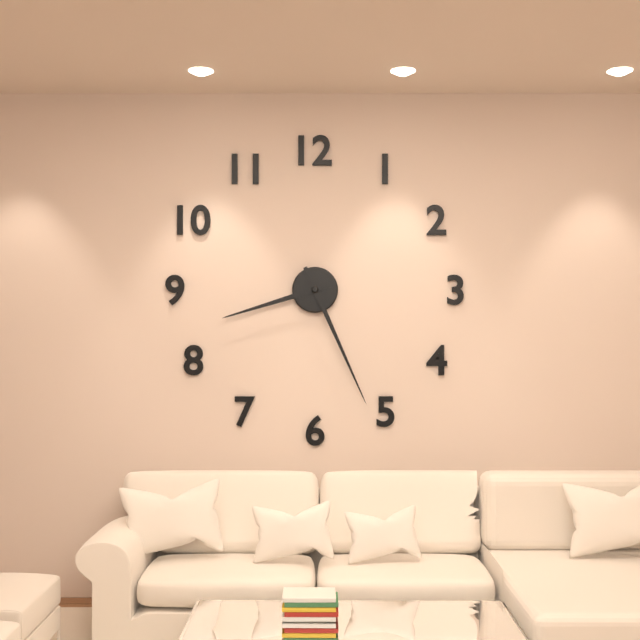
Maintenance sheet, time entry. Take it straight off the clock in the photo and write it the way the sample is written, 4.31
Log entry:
8.26
